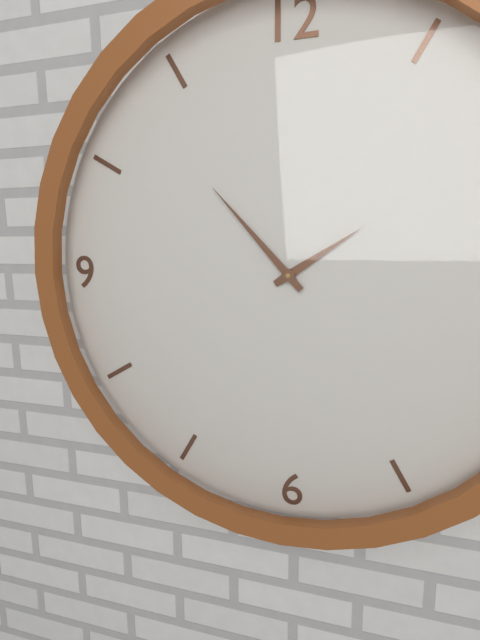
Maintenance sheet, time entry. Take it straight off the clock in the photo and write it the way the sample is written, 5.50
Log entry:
1.53
